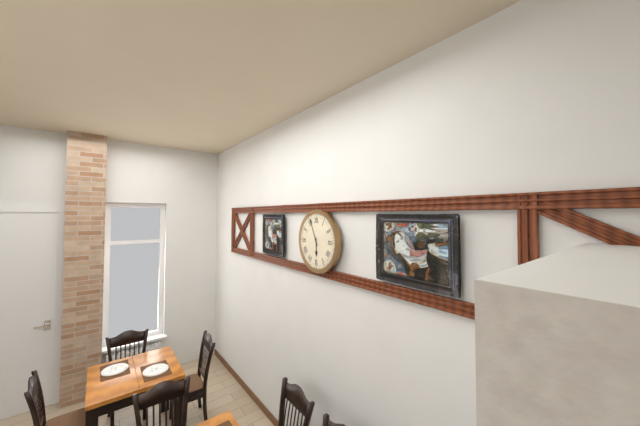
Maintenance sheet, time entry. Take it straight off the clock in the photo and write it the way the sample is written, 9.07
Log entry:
5.56
